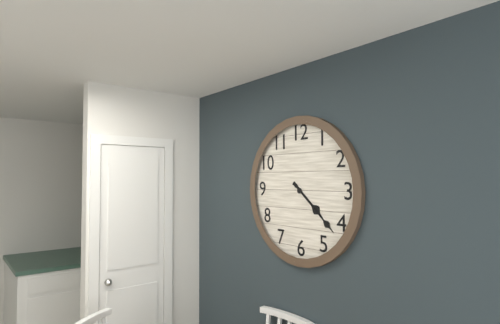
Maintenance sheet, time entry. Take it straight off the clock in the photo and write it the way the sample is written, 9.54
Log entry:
4.22
